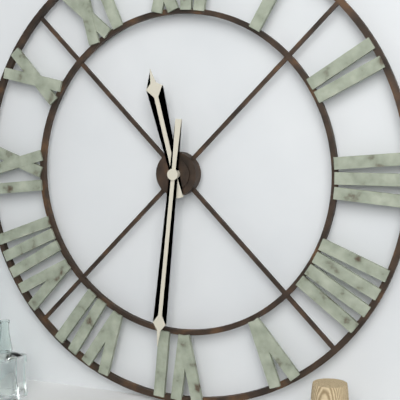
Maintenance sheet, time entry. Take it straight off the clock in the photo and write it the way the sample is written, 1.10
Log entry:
11.31
